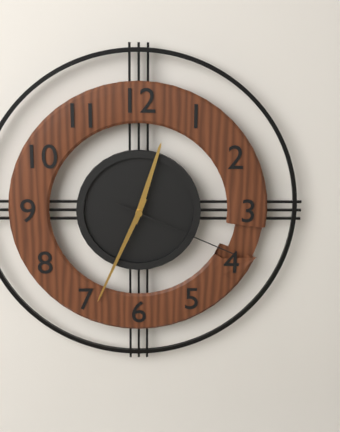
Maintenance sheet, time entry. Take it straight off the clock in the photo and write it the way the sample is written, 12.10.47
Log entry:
12.34.19
